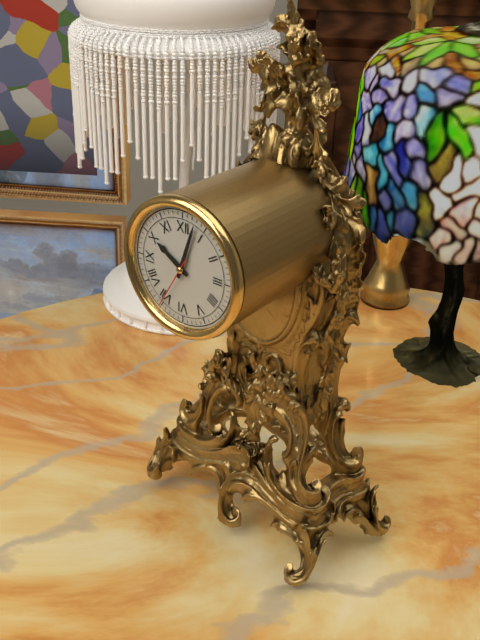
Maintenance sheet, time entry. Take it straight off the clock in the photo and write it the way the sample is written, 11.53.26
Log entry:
10.03.35
